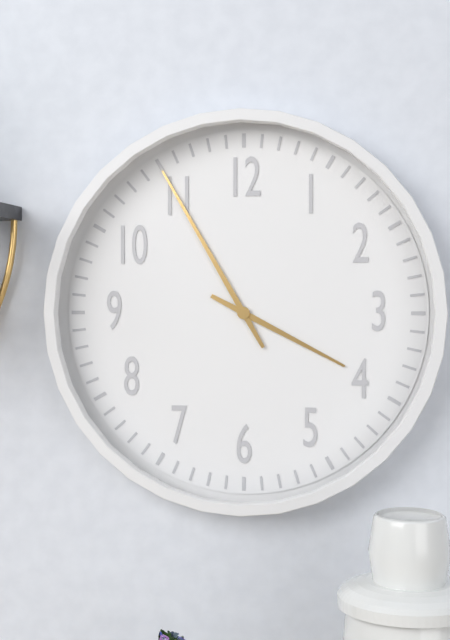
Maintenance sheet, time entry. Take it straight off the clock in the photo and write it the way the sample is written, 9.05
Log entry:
3.55
